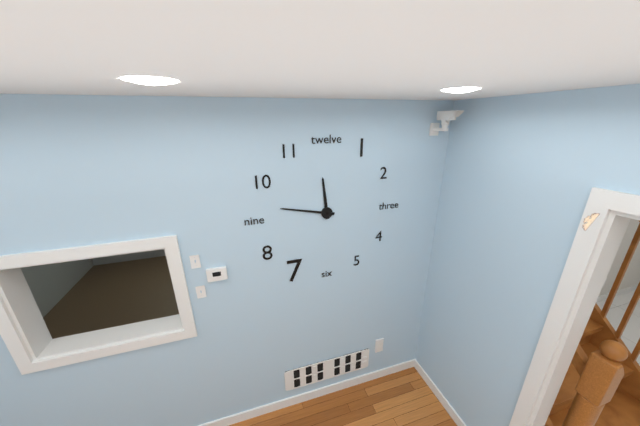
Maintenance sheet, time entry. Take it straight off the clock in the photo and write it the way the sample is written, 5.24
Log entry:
11.47
